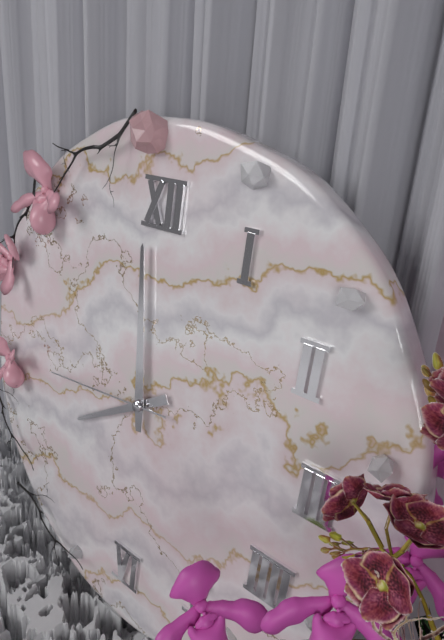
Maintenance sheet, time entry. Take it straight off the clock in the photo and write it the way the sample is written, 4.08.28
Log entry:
7.59.44
